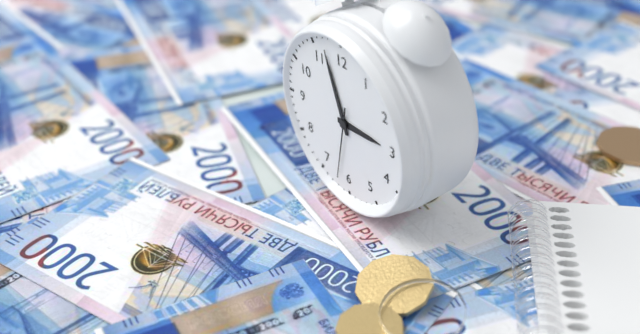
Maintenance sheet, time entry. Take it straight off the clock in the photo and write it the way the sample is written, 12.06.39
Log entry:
2.57.32
